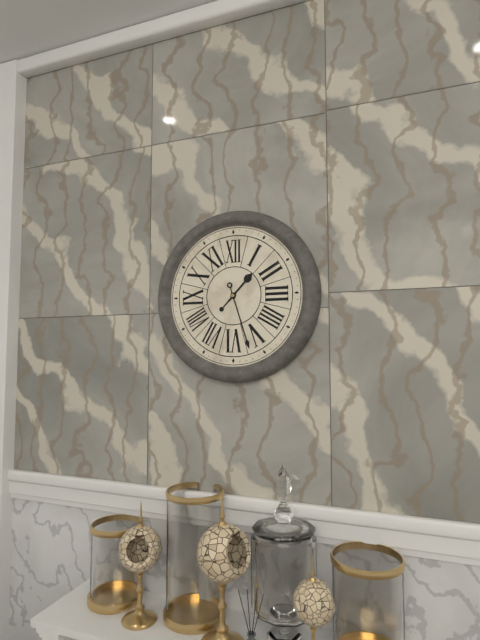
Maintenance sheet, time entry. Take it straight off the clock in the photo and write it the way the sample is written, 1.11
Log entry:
1.27
